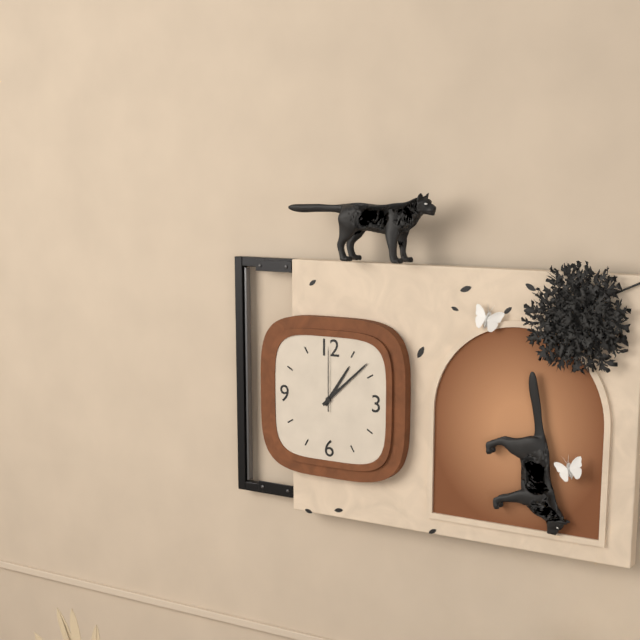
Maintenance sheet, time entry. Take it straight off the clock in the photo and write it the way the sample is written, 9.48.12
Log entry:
1.08.00
